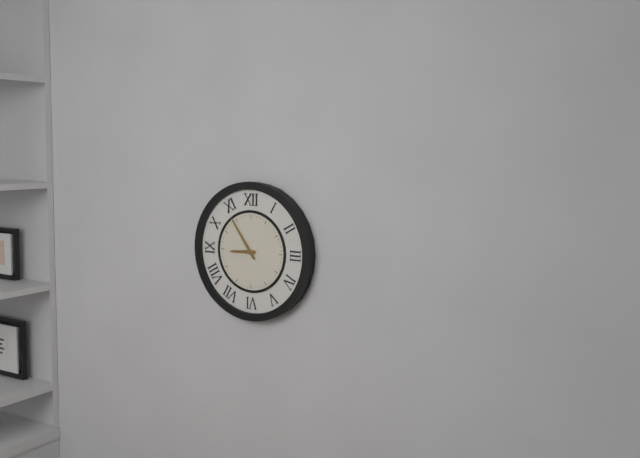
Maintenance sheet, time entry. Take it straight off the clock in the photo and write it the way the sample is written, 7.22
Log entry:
8.54
